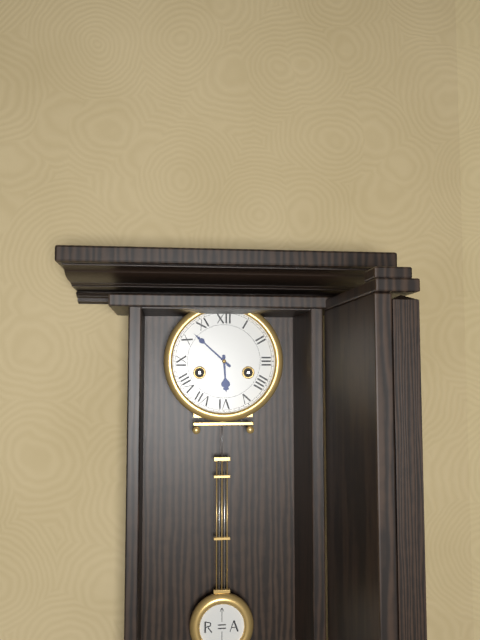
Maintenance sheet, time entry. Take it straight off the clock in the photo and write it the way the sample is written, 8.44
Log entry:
5.52
